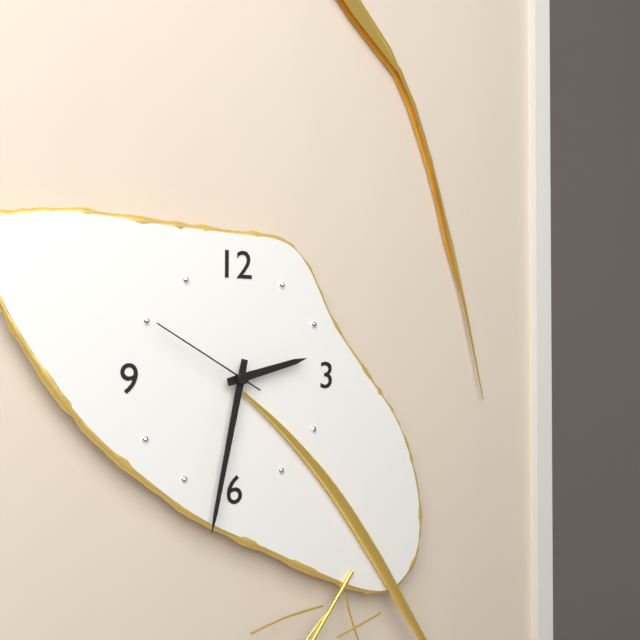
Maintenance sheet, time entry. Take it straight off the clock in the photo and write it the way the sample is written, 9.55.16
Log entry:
2.32.50
